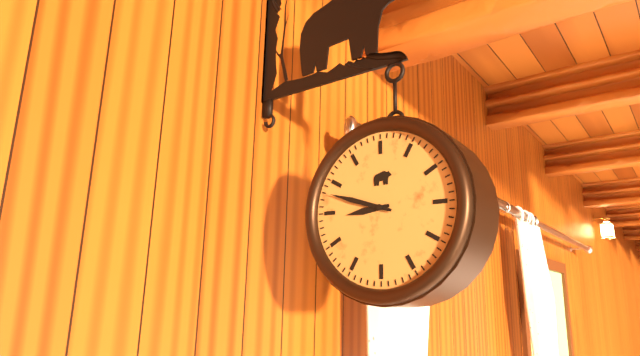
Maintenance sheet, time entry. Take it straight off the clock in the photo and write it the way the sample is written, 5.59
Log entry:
8.48
